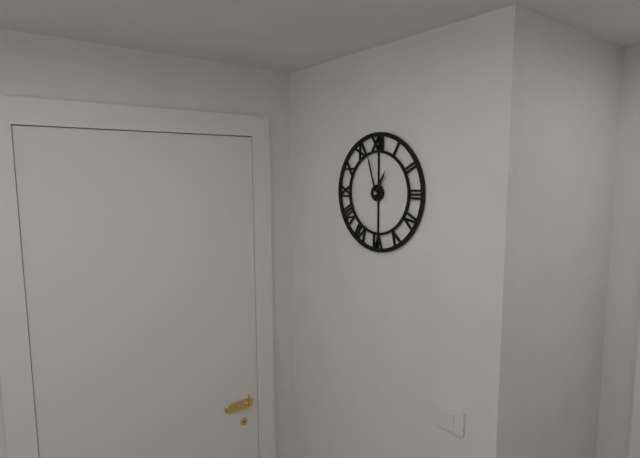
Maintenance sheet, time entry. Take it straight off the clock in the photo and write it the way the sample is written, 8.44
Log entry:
12.57
